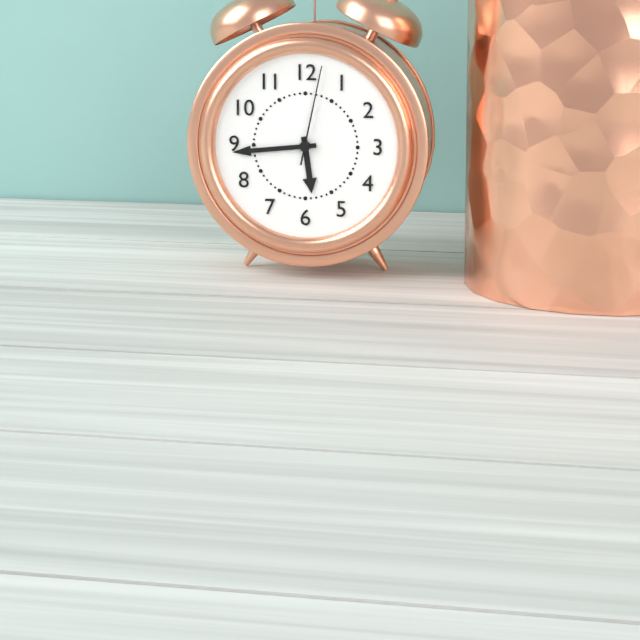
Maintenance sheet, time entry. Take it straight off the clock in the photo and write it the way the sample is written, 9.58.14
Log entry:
5.44.02
